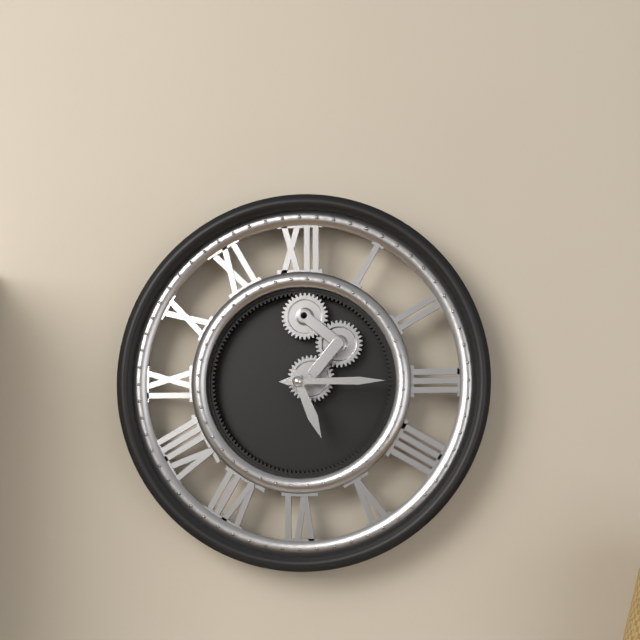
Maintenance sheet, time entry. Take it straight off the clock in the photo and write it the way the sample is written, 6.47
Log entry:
5.15
